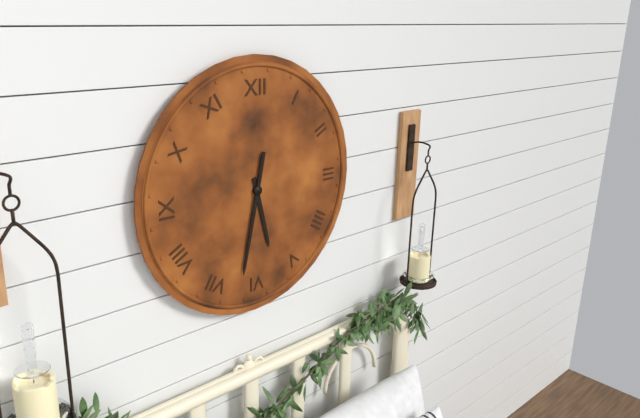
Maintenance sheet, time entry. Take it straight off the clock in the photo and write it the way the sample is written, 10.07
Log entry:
5.32
